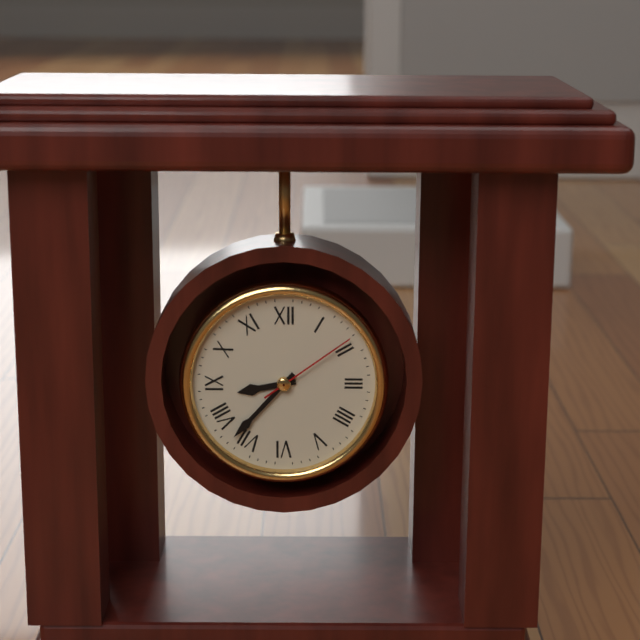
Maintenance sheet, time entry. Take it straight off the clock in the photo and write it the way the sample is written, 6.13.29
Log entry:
8.37.09
